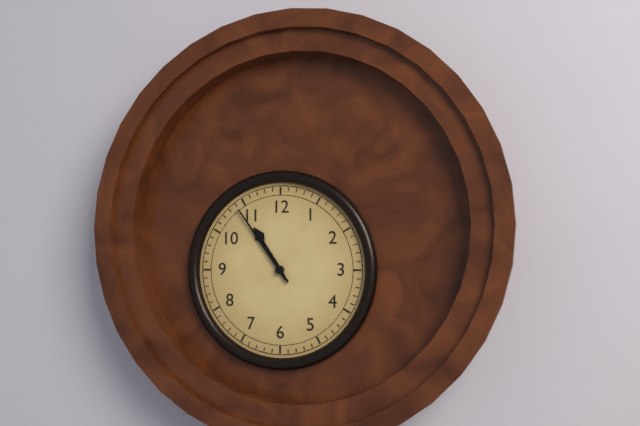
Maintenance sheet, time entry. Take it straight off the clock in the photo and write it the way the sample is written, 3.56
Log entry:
10.54
